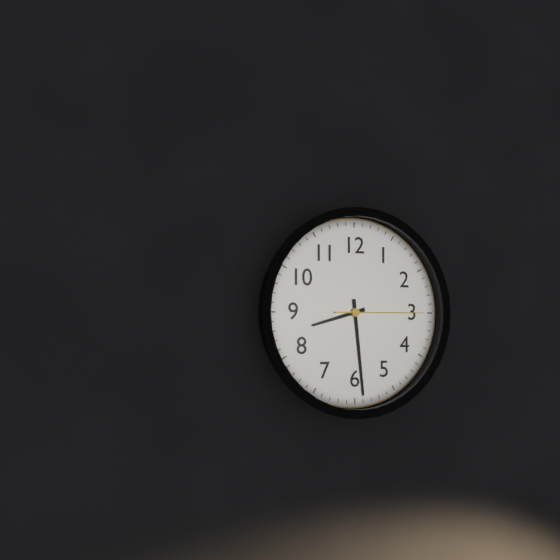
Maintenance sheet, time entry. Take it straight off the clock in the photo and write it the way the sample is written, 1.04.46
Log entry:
8.29.15
